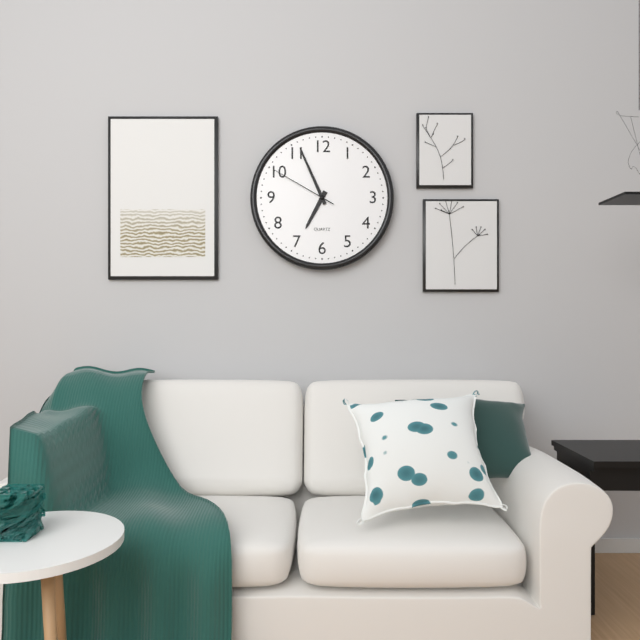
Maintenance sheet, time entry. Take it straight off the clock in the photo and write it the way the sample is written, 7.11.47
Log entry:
6.56.50
